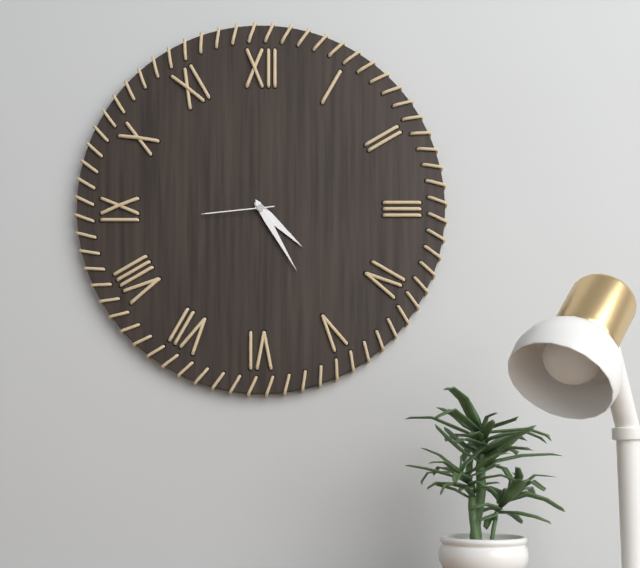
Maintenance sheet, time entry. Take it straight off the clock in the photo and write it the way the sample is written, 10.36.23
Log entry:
4.25.44
